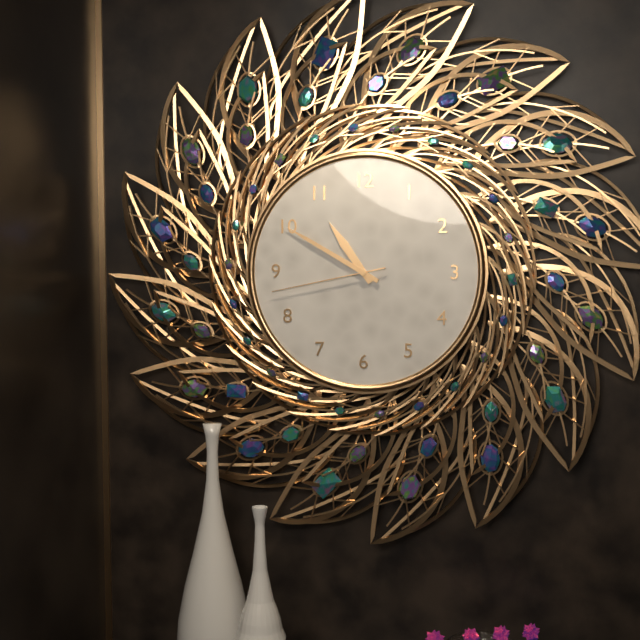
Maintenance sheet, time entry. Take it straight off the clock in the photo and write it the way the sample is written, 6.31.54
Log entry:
10.50.43
